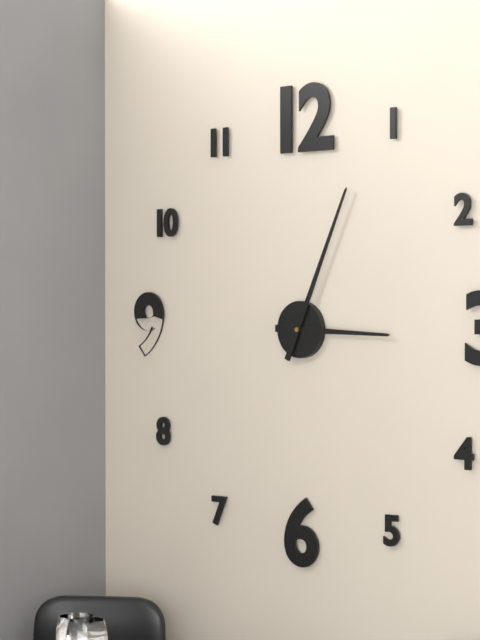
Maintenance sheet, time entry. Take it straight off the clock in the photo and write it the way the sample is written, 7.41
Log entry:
3.04
